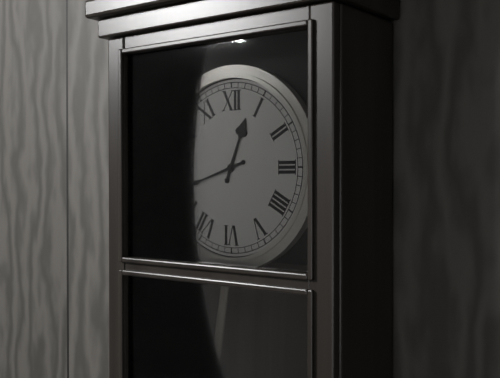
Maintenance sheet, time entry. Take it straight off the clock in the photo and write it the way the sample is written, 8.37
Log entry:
12.42
